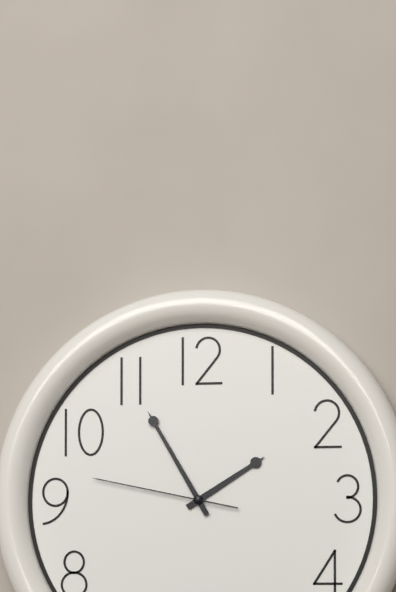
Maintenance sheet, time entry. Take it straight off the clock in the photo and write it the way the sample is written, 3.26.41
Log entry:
1.55.47
